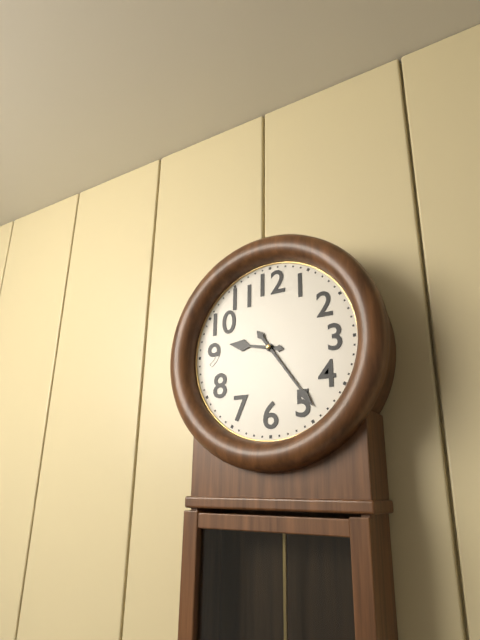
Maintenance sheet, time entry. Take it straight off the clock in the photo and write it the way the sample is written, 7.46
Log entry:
9.24
